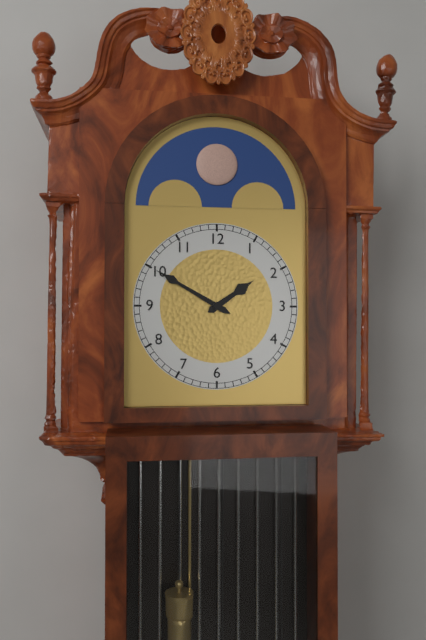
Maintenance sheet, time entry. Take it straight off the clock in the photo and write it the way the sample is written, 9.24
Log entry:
1.50
